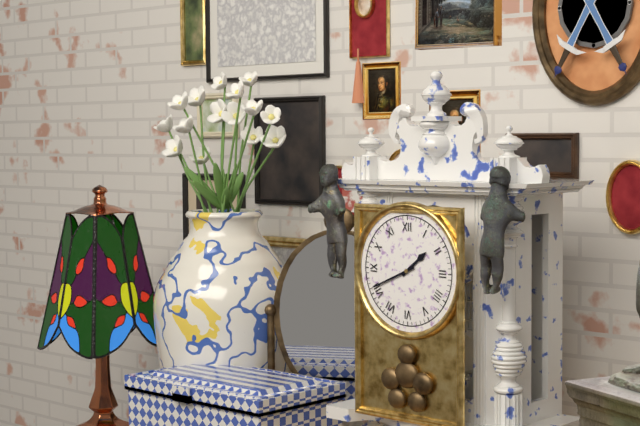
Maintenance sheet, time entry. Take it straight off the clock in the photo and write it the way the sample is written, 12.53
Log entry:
1.41
